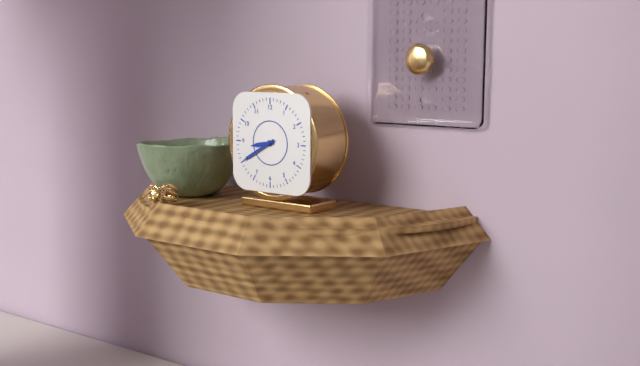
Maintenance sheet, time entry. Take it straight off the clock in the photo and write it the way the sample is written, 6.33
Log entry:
8.40
